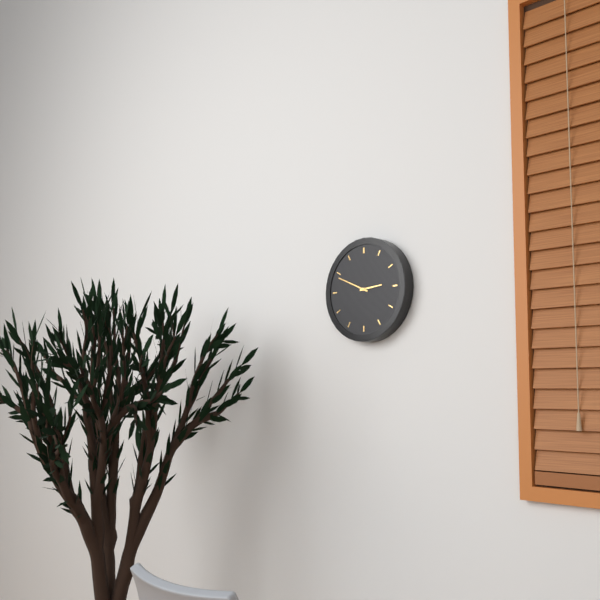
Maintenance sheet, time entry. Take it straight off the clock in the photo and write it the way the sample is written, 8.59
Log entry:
2.49
